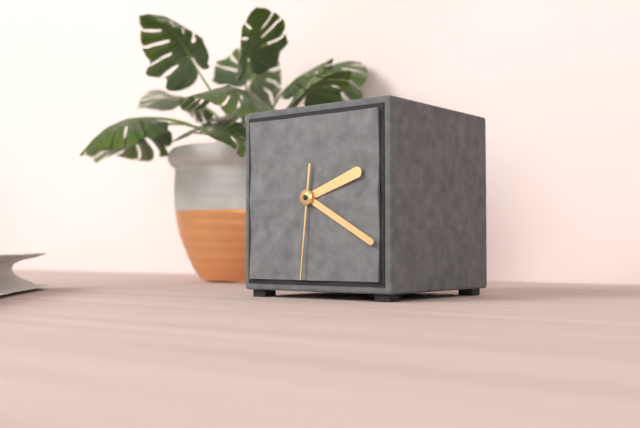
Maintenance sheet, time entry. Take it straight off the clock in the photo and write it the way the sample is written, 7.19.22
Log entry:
2.20.31
